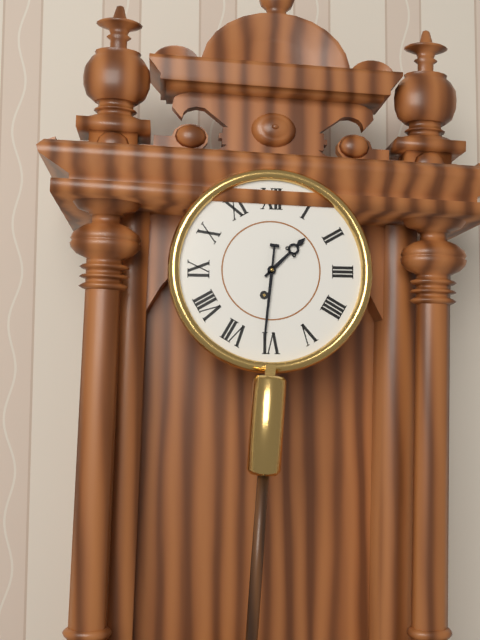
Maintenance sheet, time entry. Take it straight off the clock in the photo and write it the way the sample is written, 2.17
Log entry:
1.31
